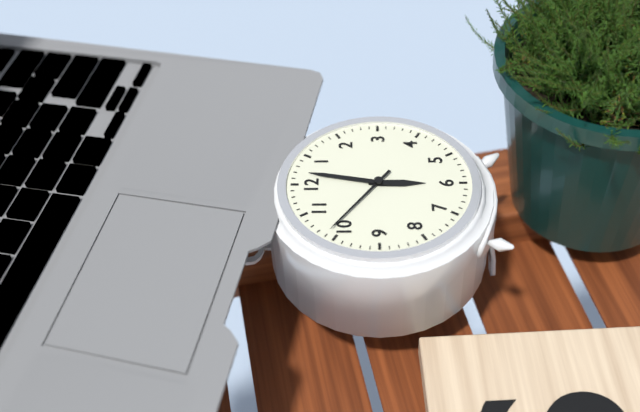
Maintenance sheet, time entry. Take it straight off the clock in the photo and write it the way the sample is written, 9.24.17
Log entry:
6.02.51
